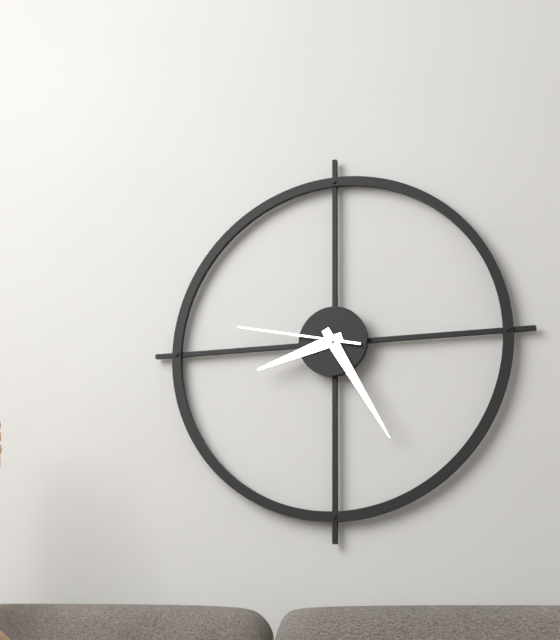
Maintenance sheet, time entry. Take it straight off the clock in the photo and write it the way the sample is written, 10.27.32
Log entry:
8.25.47
